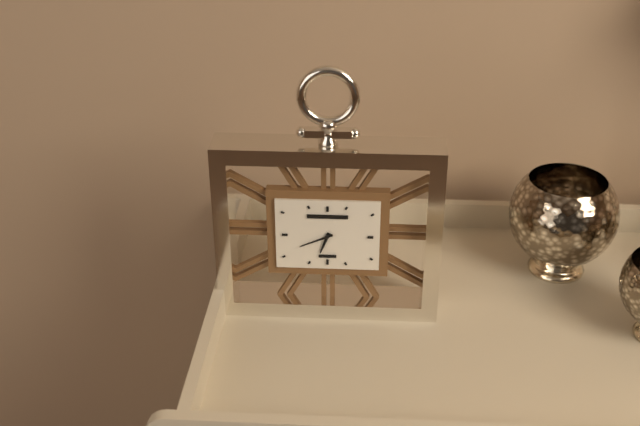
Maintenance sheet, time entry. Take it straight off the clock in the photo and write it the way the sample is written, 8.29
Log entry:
6.41
